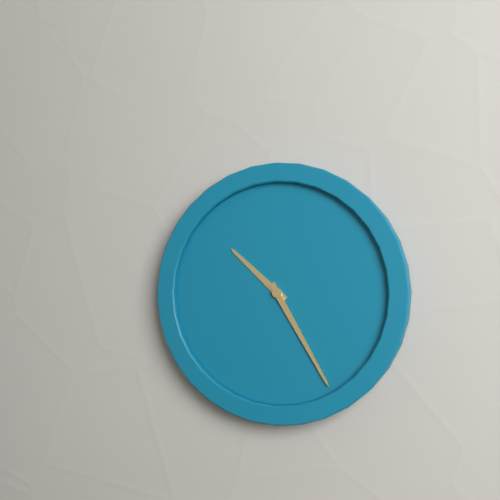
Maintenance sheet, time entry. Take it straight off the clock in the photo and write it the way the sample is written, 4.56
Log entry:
10.25
